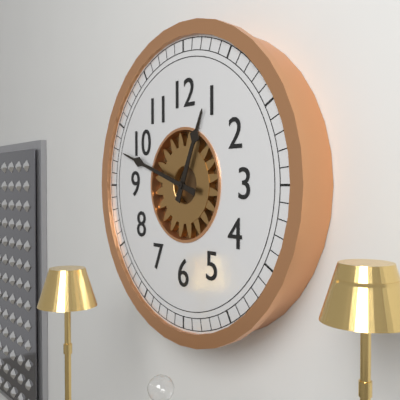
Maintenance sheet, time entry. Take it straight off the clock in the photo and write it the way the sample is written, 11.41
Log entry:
12.48
